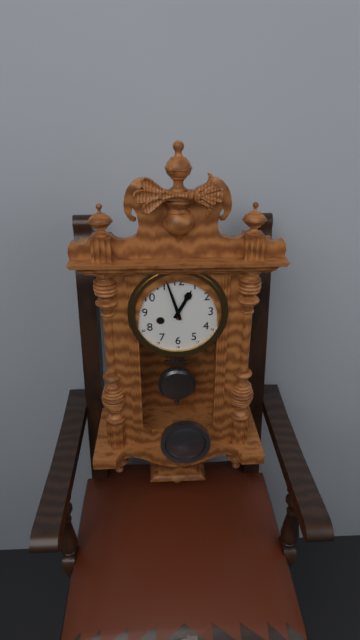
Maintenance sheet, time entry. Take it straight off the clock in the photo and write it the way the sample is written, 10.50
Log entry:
12.57
